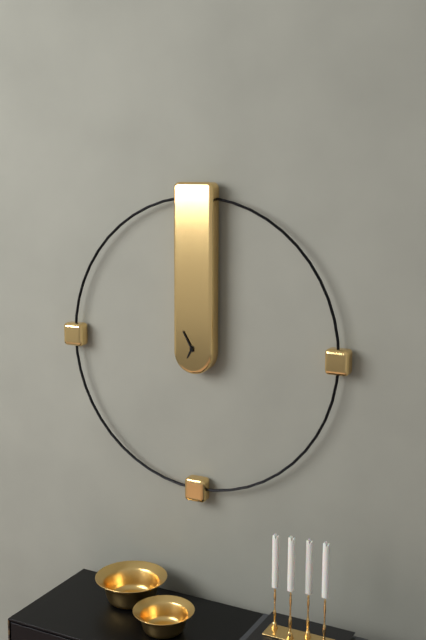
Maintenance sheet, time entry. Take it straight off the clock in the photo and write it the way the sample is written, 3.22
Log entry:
6.55
